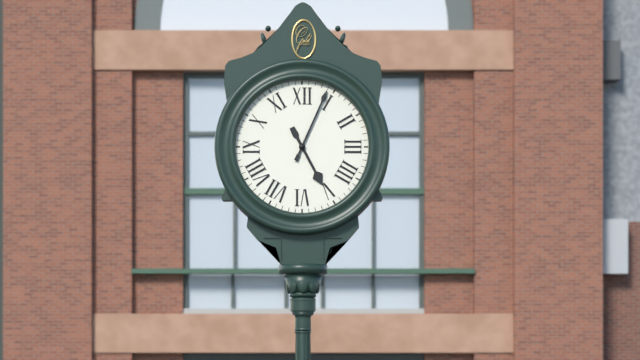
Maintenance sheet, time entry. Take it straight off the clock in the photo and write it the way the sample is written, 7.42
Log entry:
5.04
